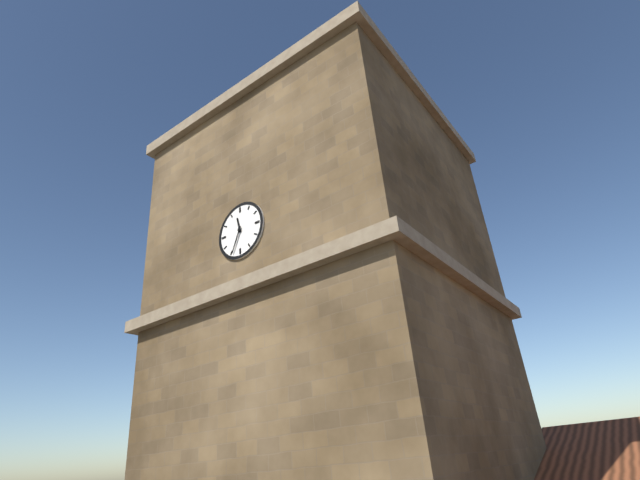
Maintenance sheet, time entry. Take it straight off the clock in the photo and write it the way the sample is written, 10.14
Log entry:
11.34
